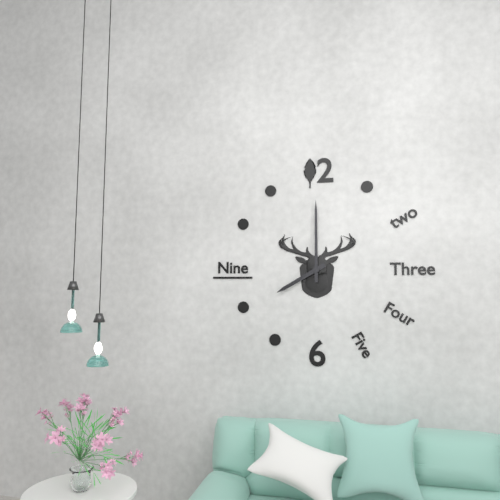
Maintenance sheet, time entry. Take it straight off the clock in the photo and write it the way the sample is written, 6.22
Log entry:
8.00
